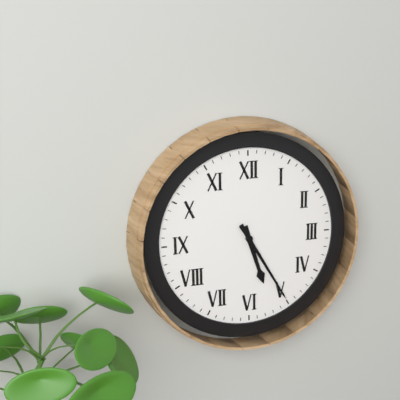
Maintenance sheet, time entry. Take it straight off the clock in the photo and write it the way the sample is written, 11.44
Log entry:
5.25
